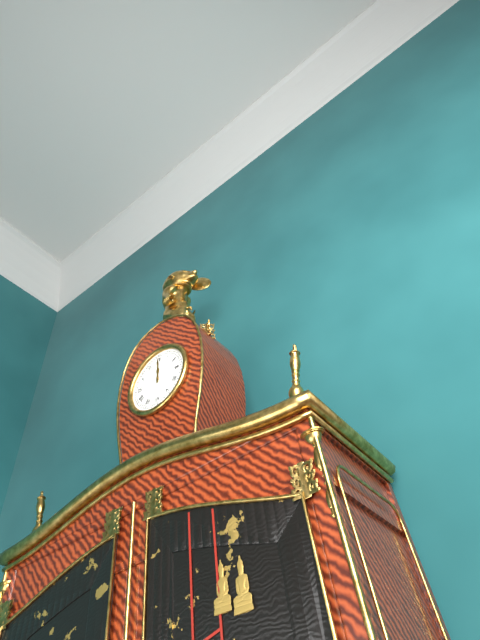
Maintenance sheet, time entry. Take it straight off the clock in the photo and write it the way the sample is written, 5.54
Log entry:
12.00
